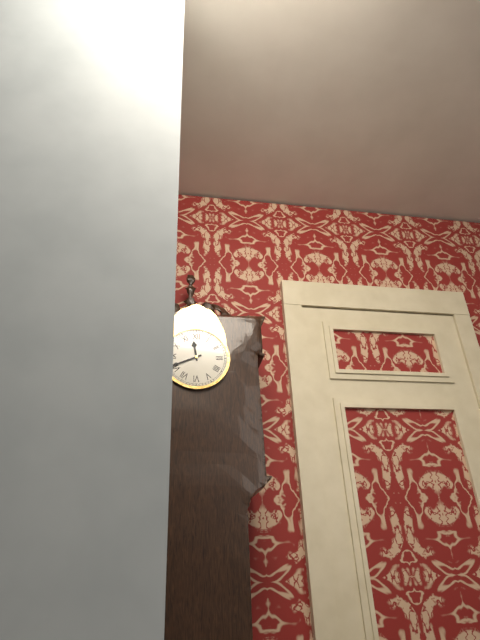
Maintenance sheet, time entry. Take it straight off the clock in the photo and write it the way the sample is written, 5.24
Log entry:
11.41
